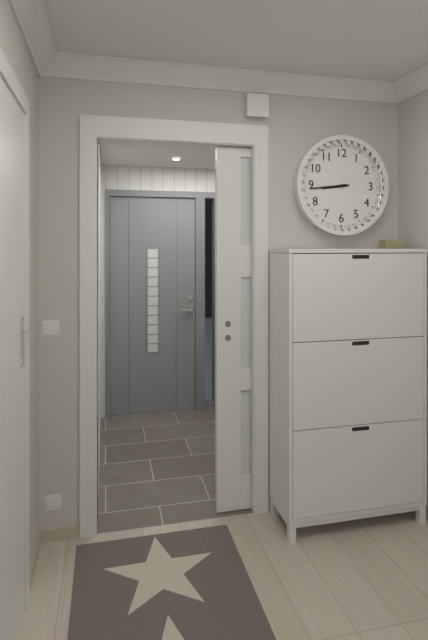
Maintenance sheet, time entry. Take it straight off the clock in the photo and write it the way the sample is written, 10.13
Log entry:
8.44
